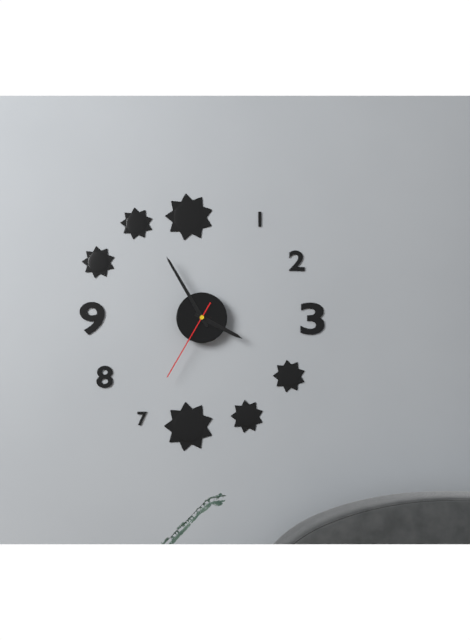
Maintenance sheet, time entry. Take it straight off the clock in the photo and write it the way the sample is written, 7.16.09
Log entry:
3.55.35
